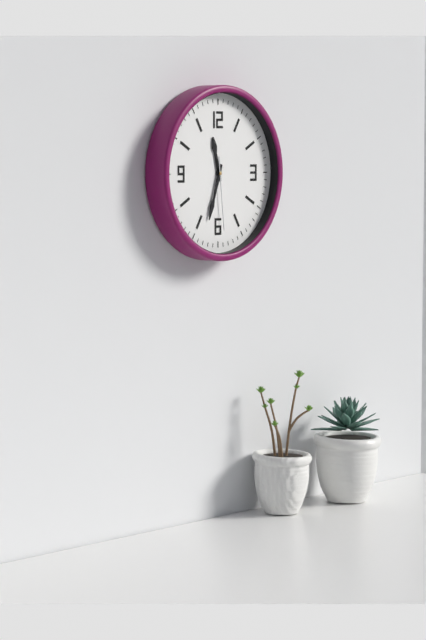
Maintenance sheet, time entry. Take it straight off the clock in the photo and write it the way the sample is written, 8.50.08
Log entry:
11.33.29
